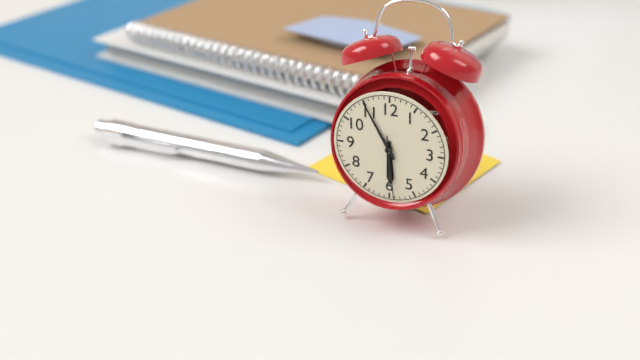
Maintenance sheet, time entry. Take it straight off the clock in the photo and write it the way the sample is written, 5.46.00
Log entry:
5.55.29
